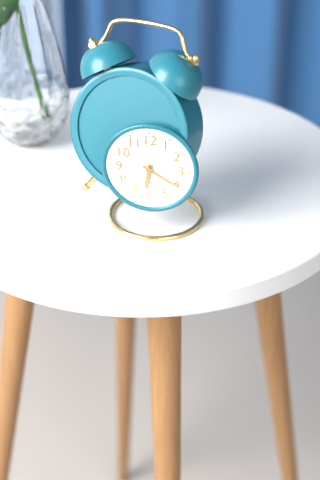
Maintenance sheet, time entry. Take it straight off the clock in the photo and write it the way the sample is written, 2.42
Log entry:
6.20
